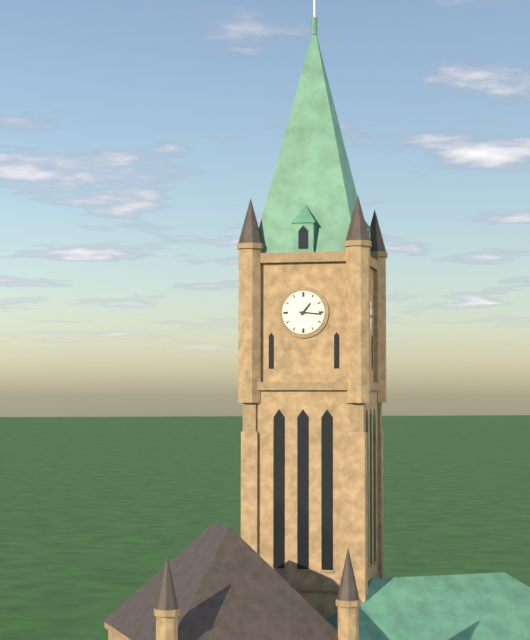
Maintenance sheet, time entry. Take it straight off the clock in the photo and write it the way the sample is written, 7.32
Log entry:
1.16
